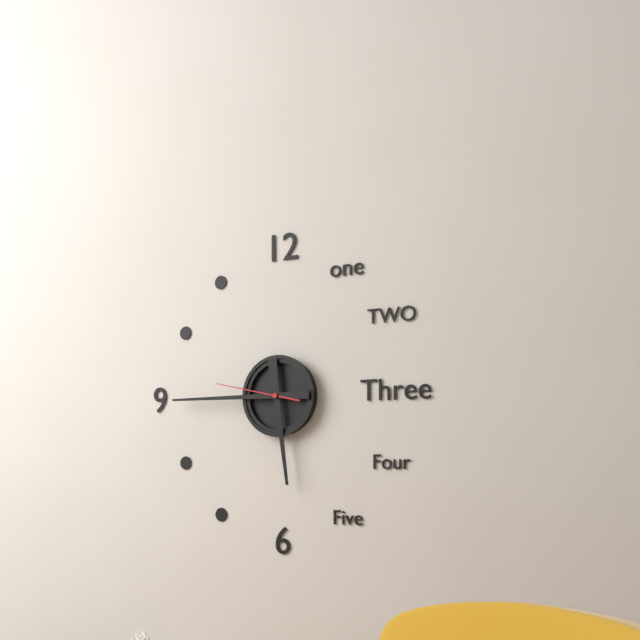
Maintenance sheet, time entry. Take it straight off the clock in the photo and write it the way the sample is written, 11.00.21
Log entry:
5.45.47
